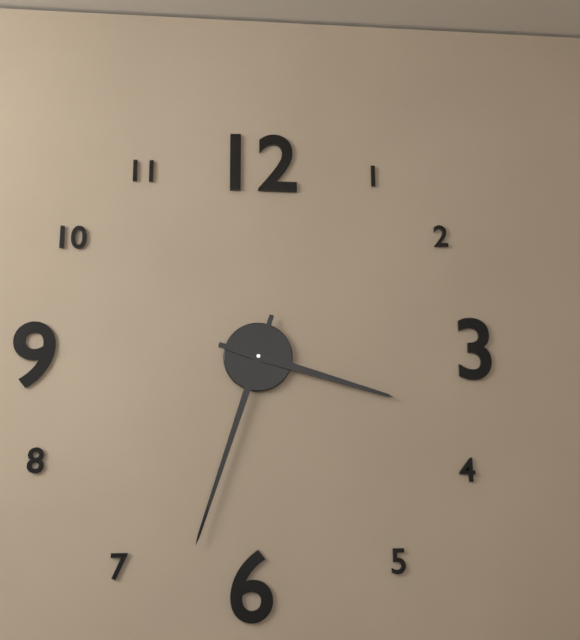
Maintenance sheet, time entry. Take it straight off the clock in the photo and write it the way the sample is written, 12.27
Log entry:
3.33
